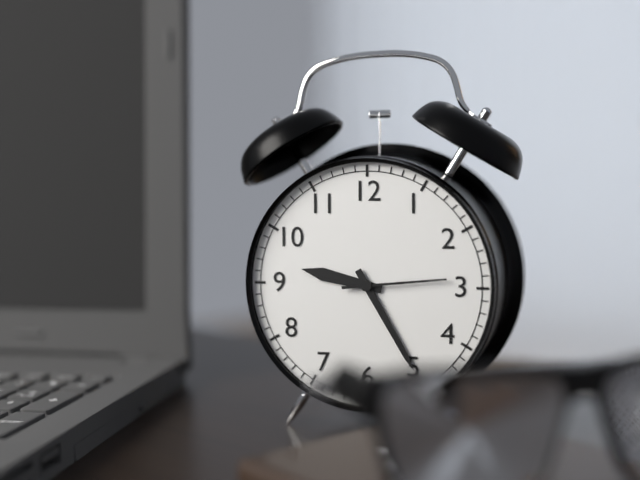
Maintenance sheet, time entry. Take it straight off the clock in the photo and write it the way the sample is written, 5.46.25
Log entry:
9.25.14
